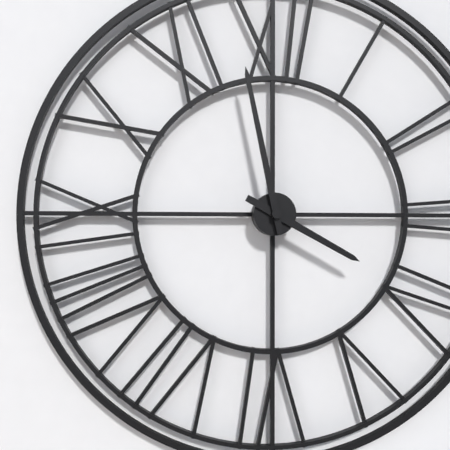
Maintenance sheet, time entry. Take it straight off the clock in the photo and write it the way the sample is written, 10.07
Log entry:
3.58
